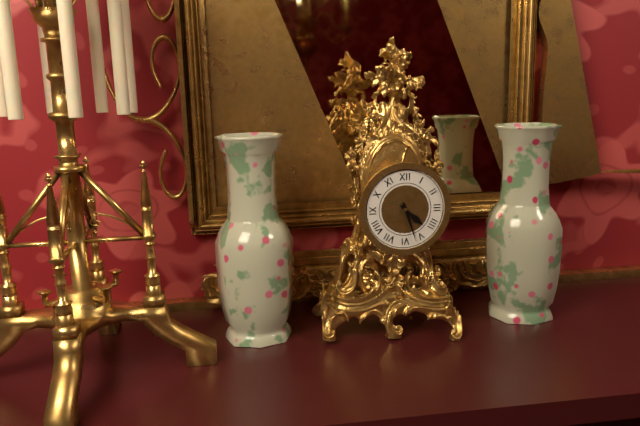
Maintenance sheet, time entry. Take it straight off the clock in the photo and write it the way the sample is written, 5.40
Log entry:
4.27
